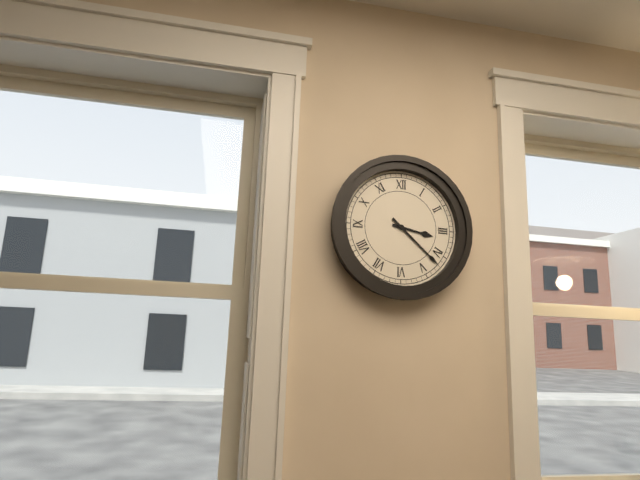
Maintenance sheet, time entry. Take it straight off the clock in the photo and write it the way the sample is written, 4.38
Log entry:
3.22
